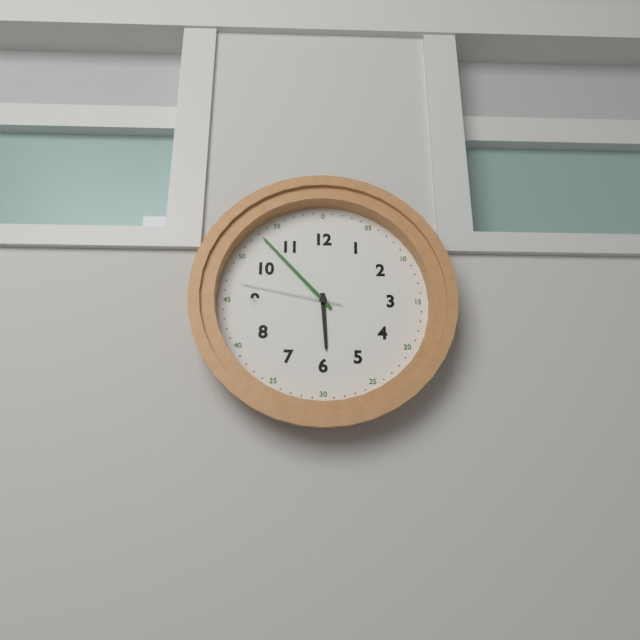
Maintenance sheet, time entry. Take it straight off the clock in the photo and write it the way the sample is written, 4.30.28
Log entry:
5.53.47
